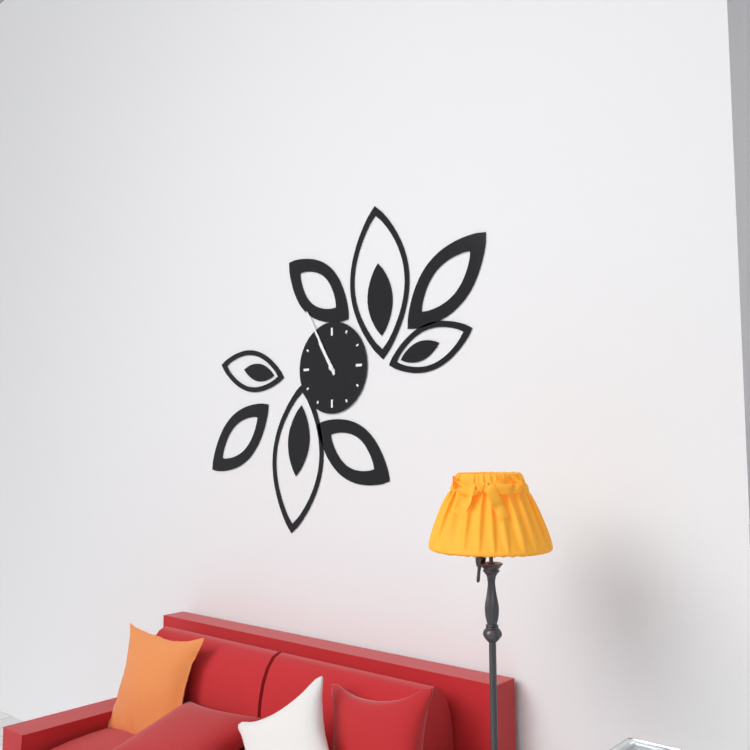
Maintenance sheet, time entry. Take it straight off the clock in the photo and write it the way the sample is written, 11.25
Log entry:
10.55
